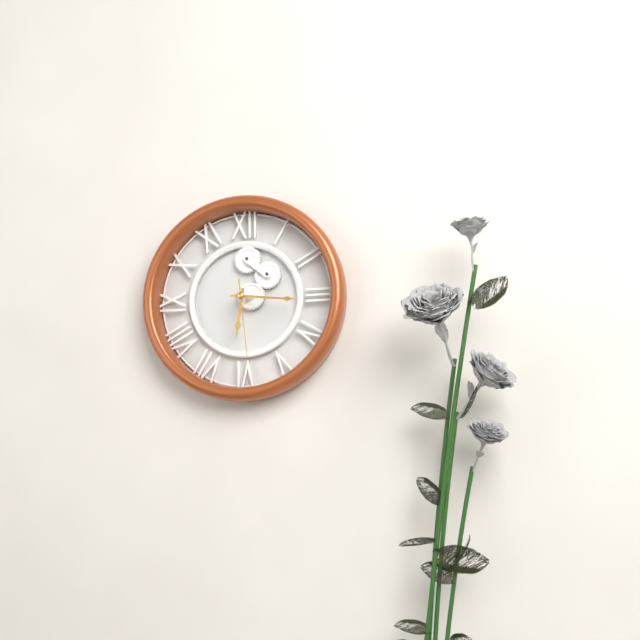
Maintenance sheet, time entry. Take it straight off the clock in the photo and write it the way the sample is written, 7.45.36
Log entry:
6.16.29
